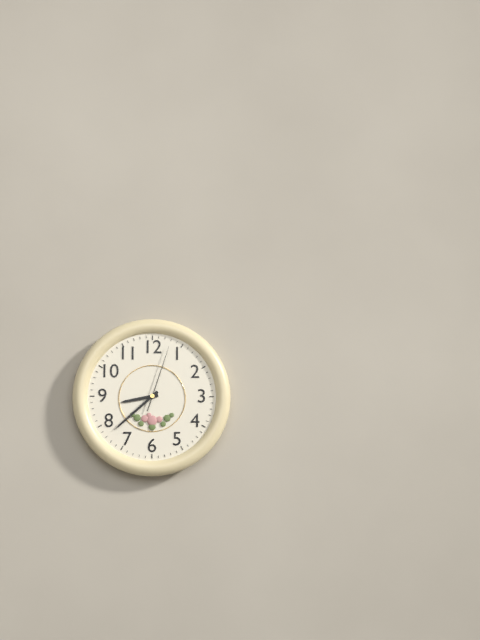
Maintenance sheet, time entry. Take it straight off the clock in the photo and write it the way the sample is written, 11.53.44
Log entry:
8.38.03
